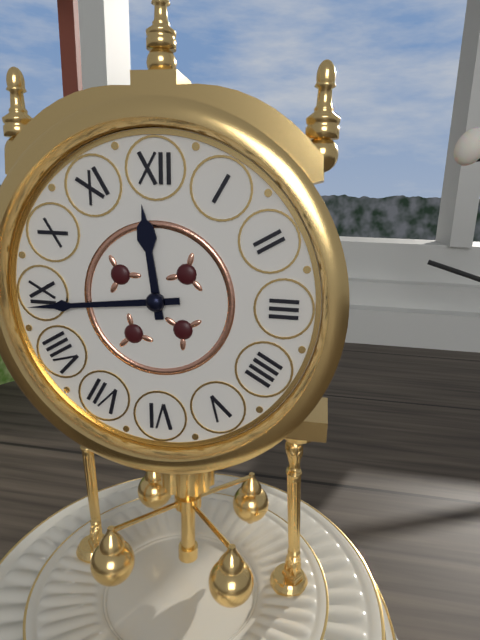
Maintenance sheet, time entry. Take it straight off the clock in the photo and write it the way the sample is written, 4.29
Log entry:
11.44
